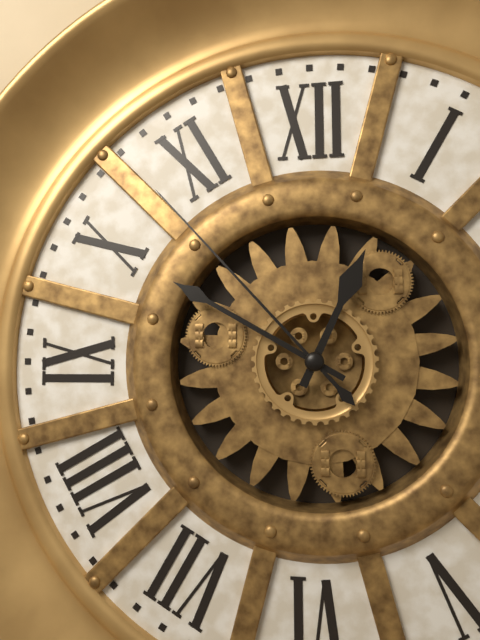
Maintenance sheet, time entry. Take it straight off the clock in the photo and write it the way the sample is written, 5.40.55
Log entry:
12.50.53
